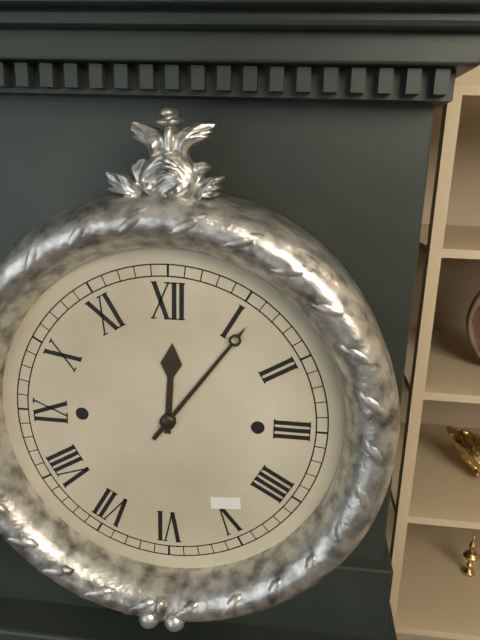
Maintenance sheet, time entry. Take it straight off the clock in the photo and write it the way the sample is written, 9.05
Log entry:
12.06
